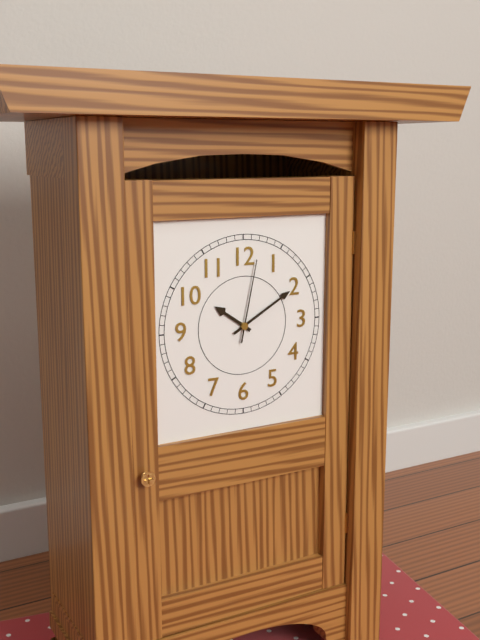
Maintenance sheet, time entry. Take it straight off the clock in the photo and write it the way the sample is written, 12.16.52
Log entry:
10.10.02
